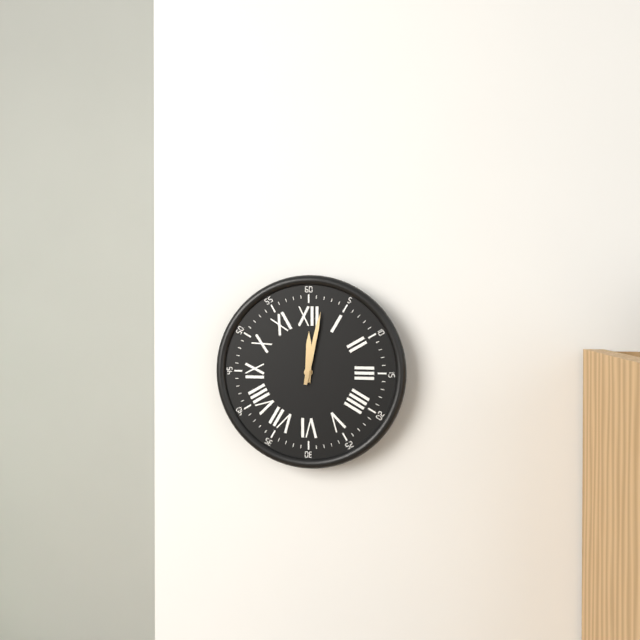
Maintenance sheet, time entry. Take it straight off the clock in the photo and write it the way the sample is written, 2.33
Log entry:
12.02
